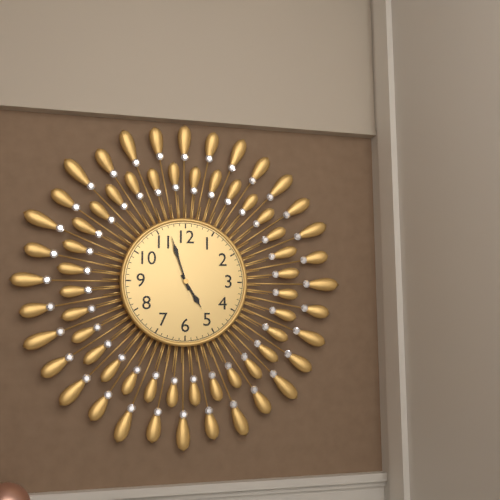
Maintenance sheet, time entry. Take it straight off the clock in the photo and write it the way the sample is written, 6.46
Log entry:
4.57
